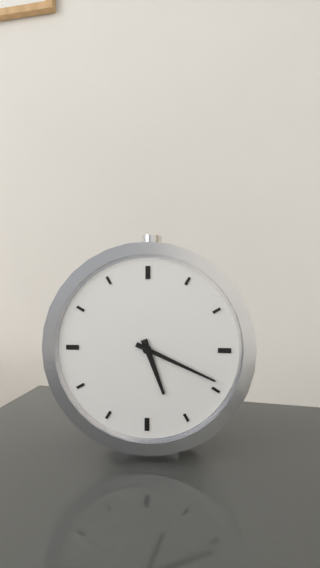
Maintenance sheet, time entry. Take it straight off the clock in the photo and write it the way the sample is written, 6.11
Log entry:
5.19
